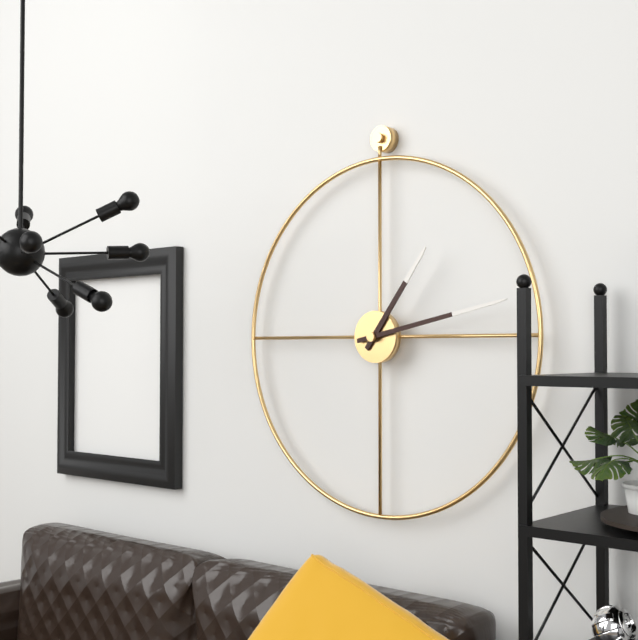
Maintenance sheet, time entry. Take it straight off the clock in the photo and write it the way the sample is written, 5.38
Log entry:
1.13
